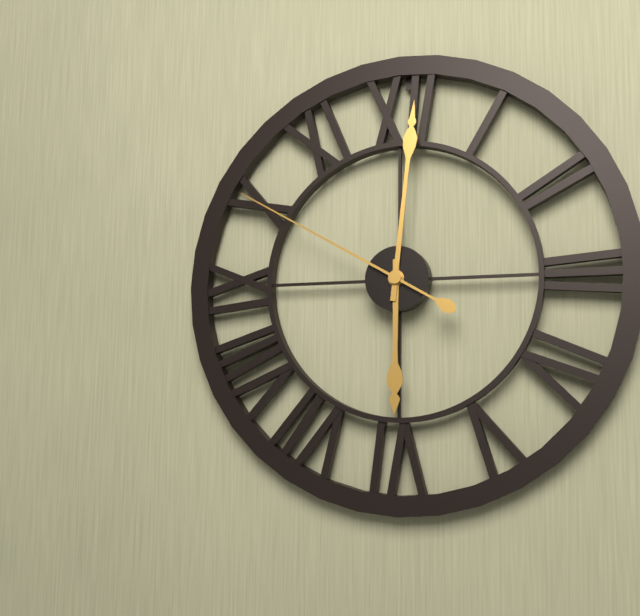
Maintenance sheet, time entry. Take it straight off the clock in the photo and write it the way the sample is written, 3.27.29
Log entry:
6.01.50
